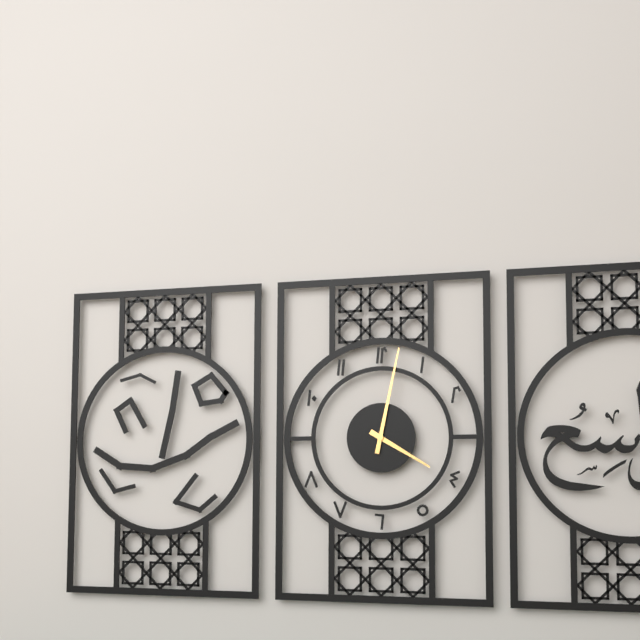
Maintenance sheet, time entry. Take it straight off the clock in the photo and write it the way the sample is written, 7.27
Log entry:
4.02
